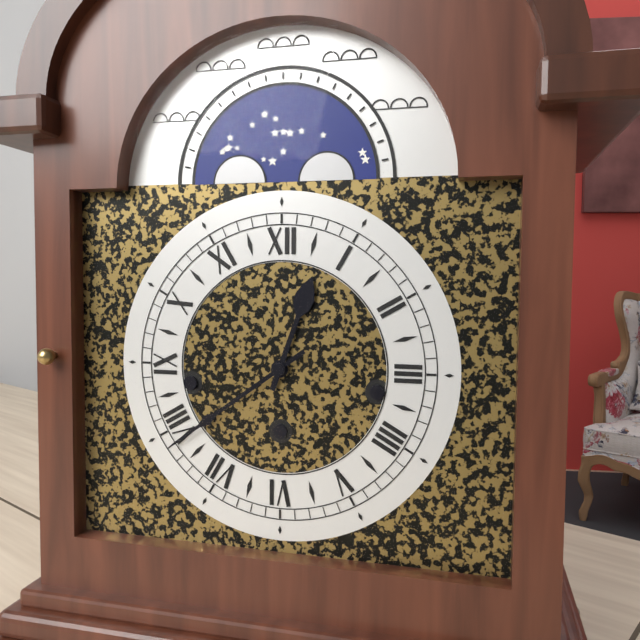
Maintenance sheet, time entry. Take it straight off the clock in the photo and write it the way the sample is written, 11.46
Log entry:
12.39
